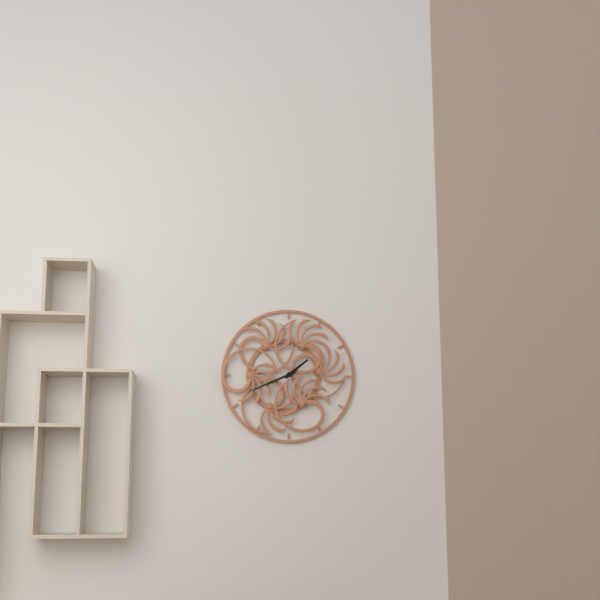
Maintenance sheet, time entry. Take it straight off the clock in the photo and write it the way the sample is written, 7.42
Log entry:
1.41
